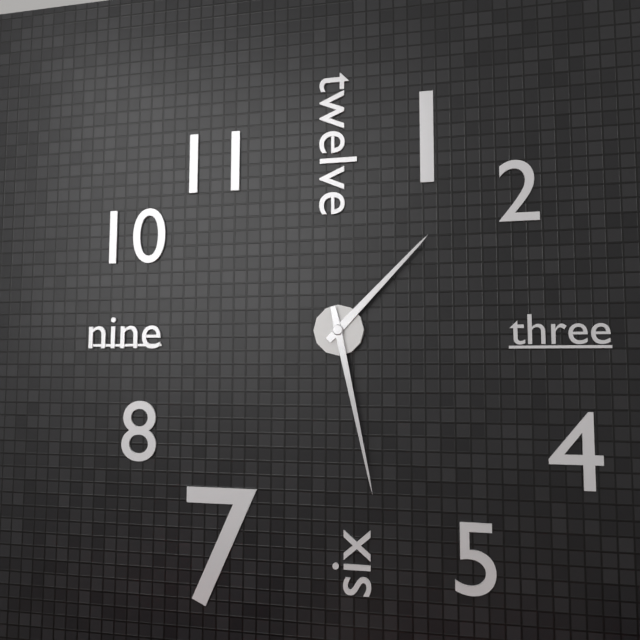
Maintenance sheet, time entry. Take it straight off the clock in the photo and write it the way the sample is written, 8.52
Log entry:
1.28
